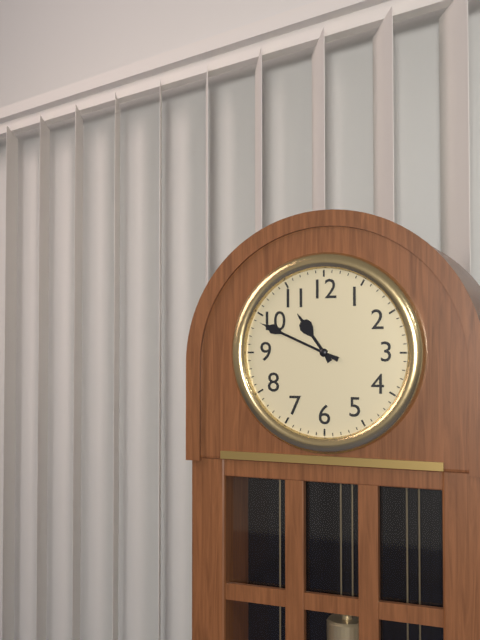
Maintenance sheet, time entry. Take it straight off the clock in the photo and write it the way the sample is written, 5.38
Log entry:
10.49
